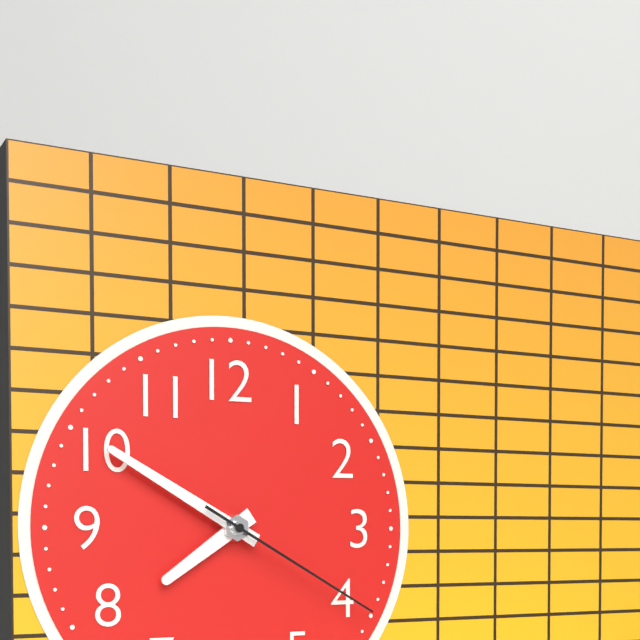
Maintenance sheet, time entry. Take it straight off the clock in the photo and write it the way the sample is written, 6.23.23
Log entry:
7.50.20
